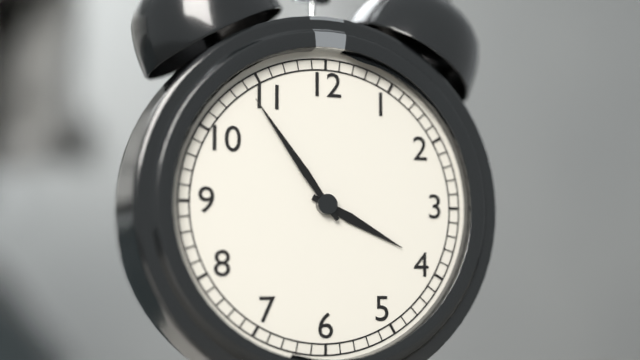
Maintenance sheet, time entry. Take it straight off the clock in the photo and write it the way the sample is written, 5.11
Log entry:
3.54
